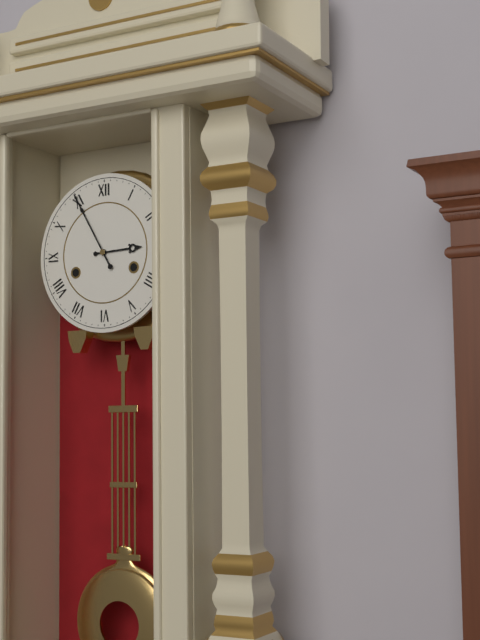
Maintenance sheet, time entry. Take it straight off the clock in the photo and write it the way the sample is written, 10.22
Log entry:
2.55
